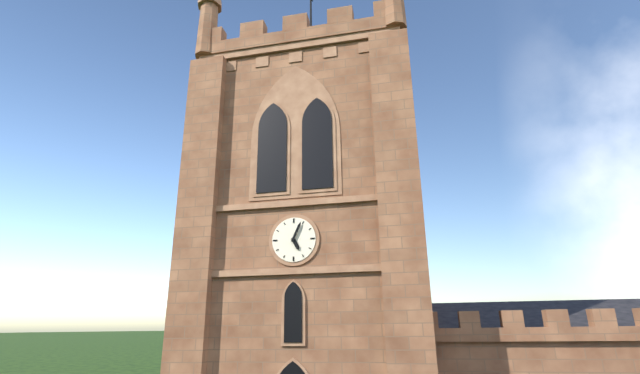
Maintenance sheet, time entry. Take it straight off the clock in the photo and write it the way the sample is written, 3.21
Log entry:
5.04
